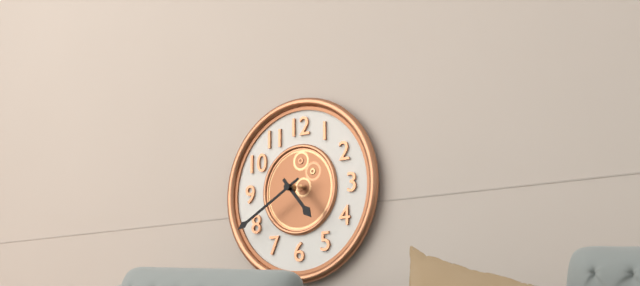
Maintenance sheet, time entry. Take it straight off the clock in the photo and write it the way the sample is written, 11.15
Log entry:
4.40
